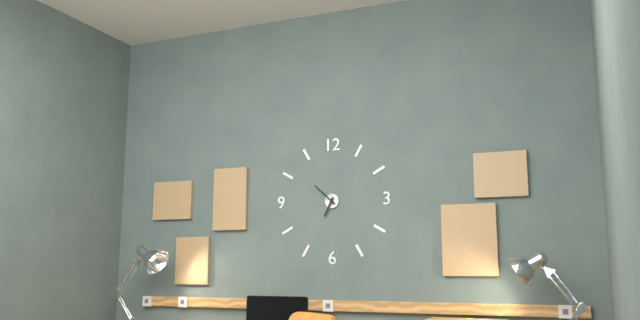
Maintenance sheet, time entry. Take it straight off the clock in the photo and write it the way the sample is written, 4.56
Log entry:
6.52
